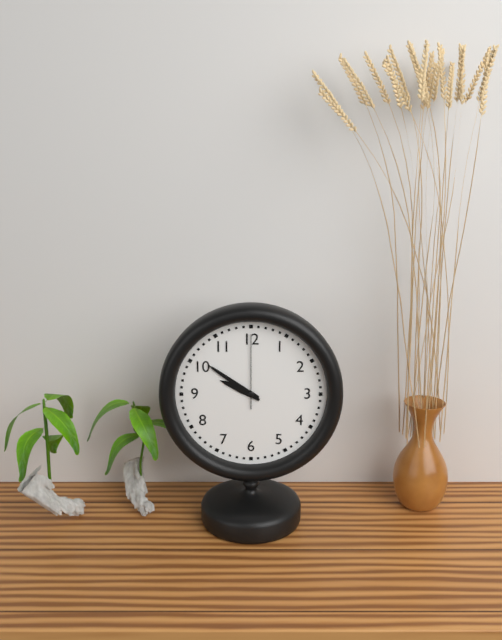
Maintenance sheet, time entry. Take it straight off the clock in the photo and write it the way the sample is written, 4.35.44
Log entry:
9.51.00
